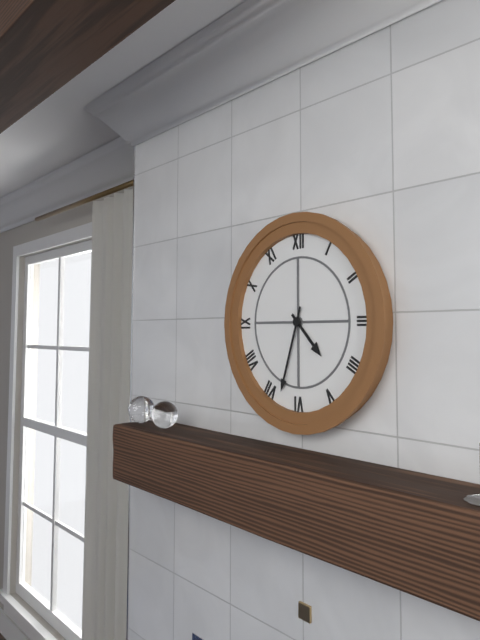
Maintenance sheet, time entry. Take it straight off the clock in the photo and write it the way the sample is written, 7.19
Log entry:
4.33
